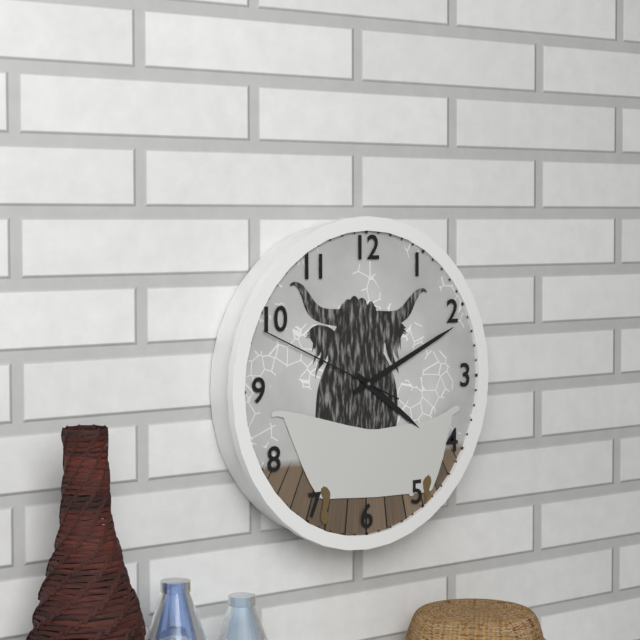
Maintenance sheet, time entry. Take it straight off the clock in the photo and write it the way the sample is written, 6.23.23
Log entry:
4.11.49
